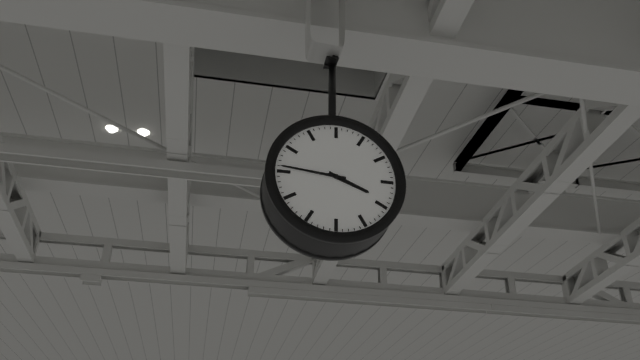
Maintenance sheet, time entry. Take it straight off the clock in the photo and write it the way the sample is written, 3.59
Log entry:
3.46
